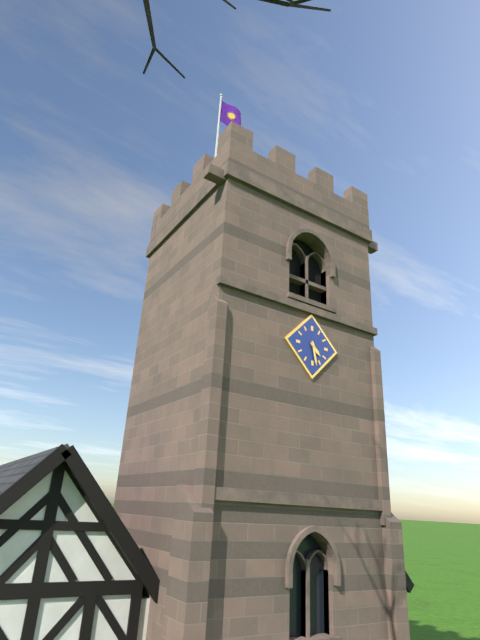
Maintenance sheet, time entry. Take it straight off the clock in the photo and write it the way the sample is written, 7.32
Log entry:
4.28
